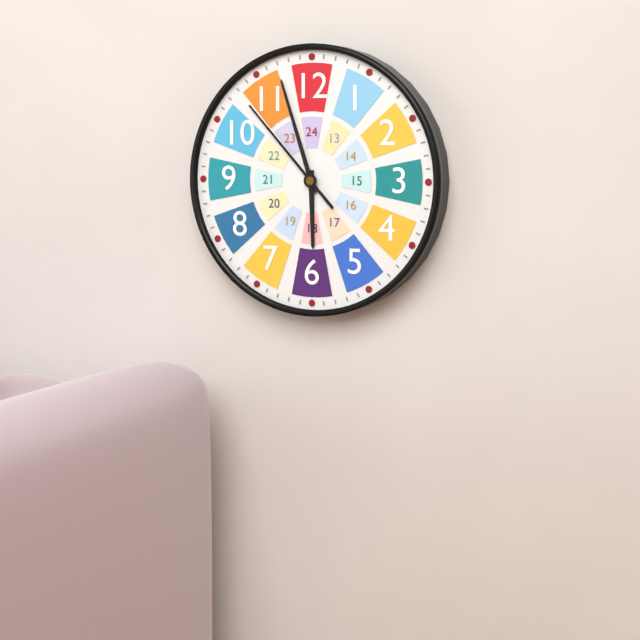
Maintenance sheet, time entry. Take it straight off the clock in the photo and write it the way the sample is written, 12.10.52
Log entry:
5.57.53
